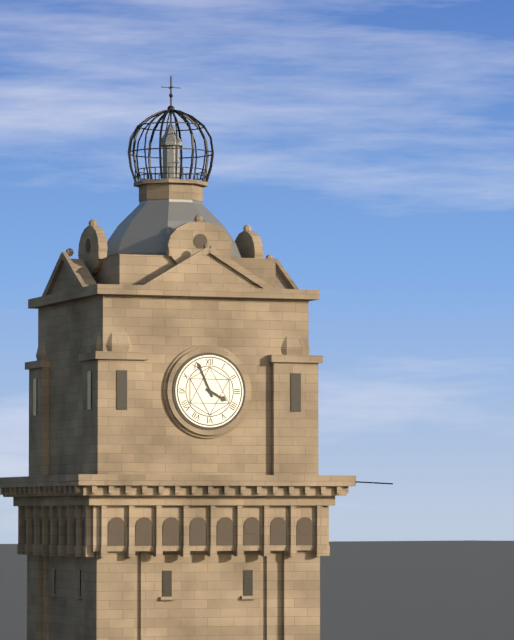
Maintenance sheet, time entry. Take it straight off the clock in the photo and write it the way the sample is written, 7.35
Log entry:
3.56
